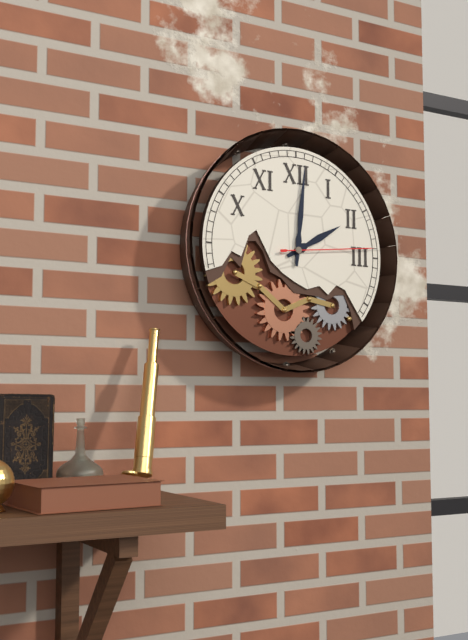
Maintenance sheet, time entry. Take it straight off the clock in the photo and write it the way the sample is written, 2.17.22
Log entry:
2.01.14
